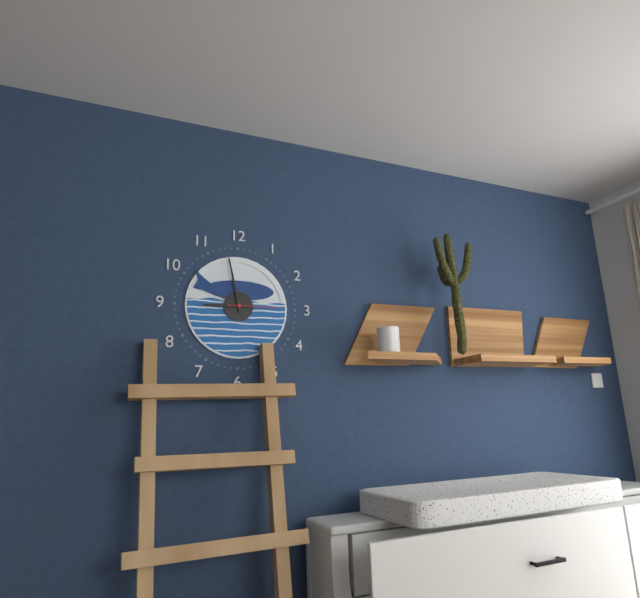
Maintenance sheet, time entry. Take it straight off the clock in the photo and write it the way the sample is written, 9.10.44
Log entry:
8.58.15
